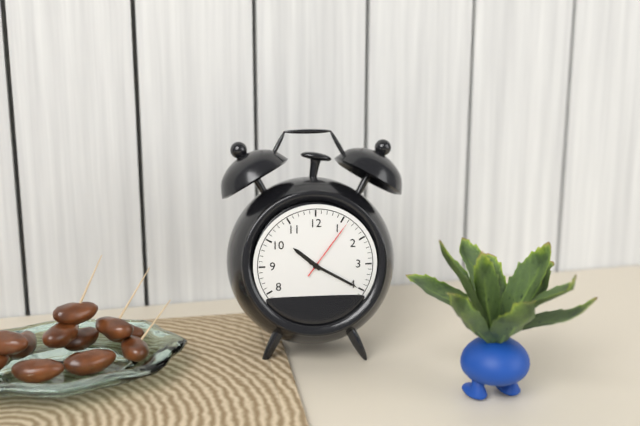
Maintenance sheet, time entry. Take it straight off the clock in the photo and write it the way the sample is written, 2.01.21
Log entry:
10.20.06
